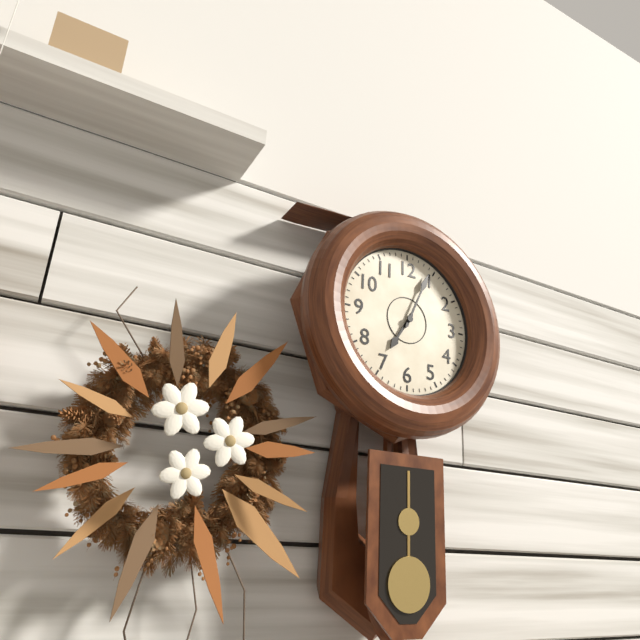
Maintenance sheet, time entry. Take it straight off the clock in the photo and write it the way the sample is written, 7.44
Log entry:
7.04
